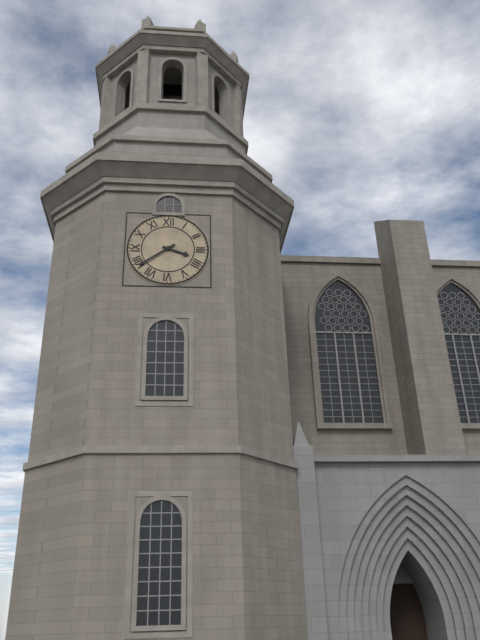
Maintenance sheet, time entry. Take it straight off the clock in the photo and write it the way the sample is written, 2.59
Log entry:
3.39
